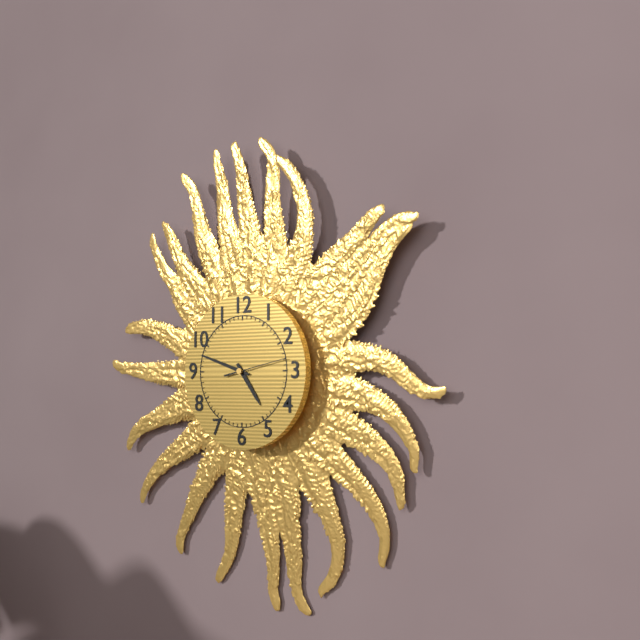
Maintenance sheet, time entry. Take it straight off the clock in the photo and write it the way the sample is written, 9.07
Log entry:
4.48
